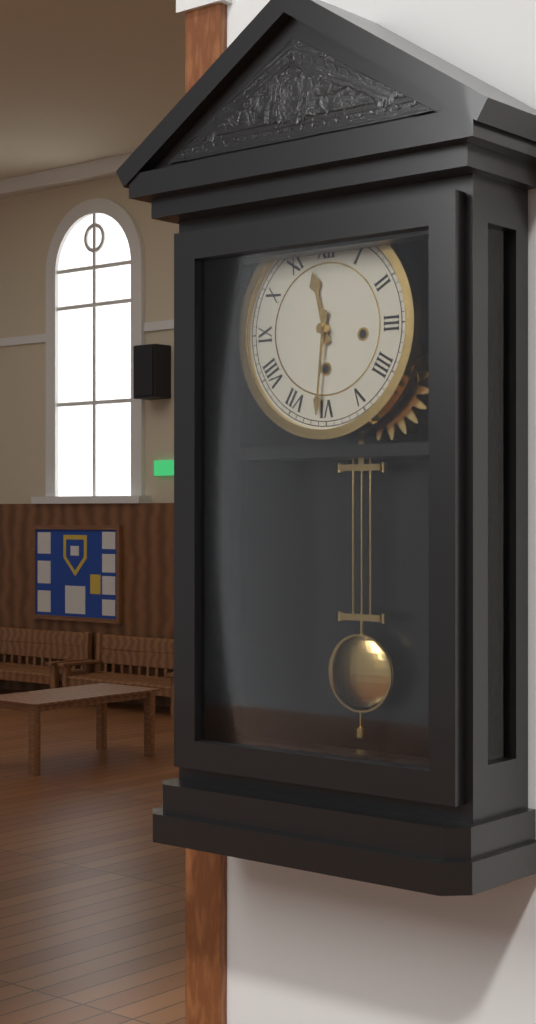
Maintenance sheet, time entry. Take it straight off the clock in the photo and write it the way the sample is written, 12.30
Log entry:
11.31
